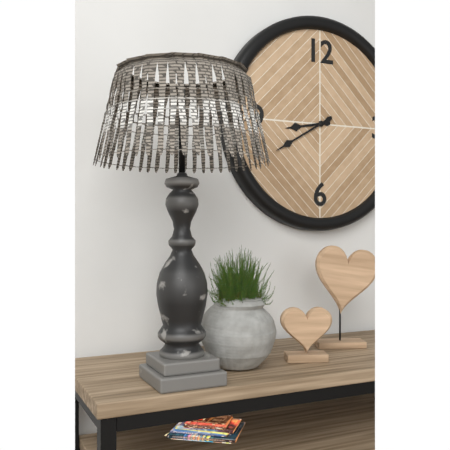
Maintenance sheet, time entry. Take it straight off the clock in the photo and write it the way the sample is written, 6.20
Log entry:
8.40
